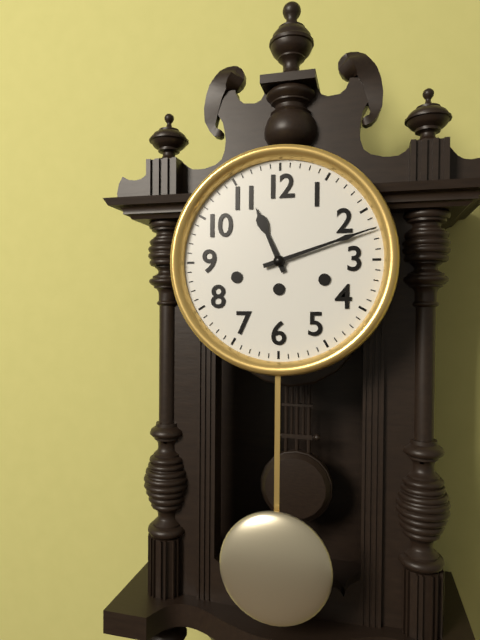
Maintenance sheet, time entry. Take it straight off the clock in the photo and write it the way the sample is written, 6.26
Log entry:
11.12
